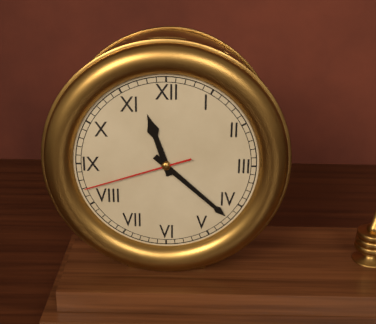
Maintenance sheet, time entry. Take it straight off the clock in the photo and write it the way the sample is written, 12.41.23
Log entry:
11.22.42
